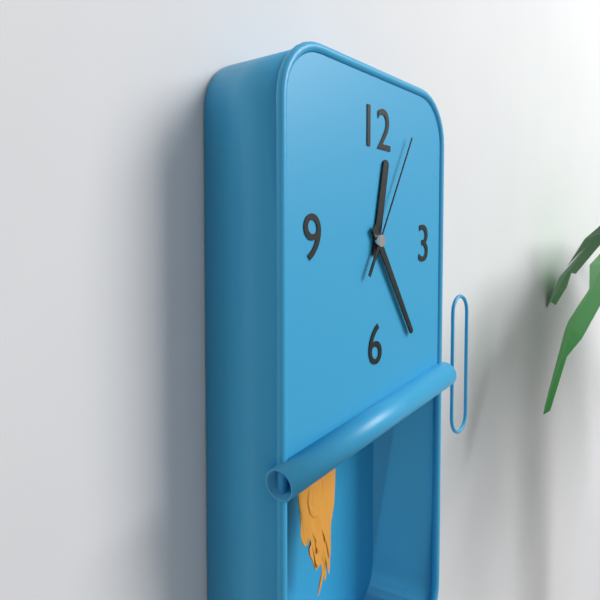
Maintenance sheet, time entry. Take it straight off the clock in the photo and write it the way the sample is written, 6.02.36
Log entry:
12.24.05
